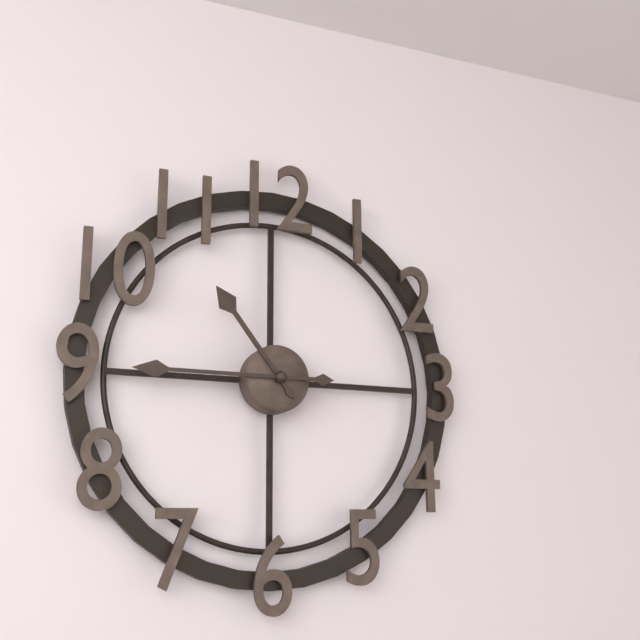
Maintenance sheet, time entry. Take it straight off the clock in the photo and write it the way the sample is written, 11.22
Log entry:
10.45
